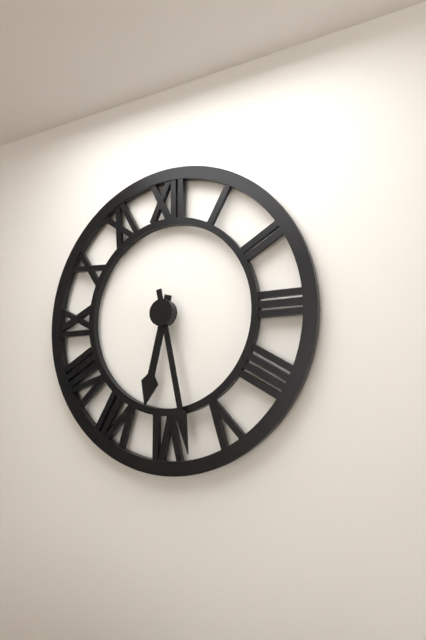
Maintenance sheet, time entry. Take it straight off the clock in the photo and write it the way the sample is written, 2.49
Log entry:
6.28
